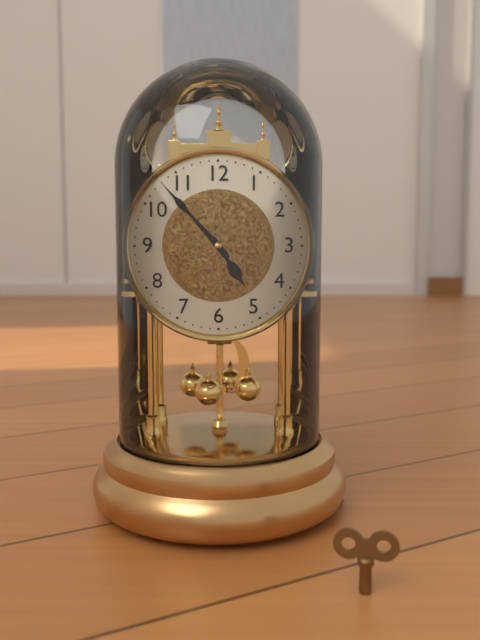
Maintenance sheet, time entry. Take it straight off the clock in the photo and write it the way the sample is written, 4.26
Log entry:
4.53
